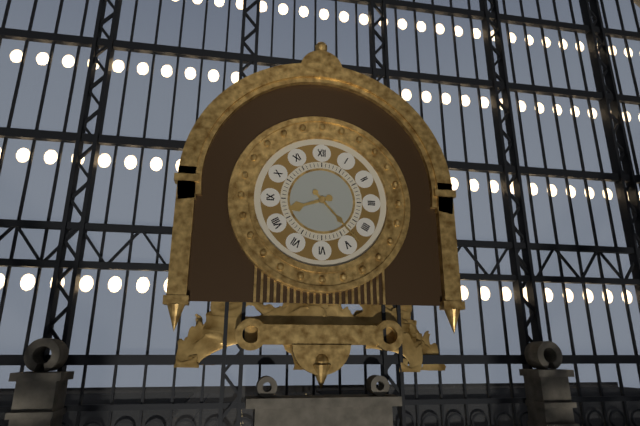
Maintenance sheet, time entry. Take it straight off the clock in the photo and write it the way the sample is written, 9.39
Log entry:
8.23
